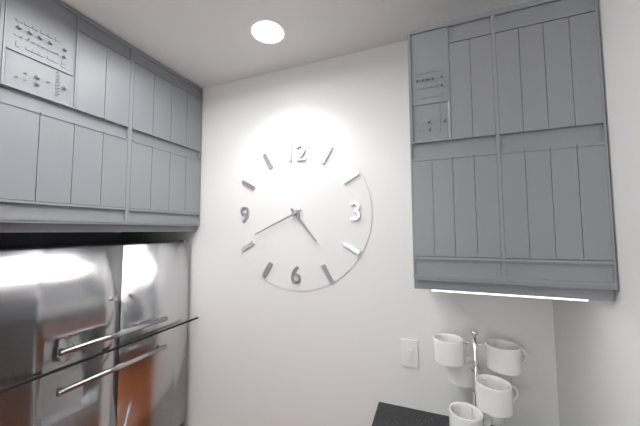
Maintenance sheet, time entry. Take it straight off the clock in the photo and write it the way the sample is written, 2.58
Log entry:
4.41
